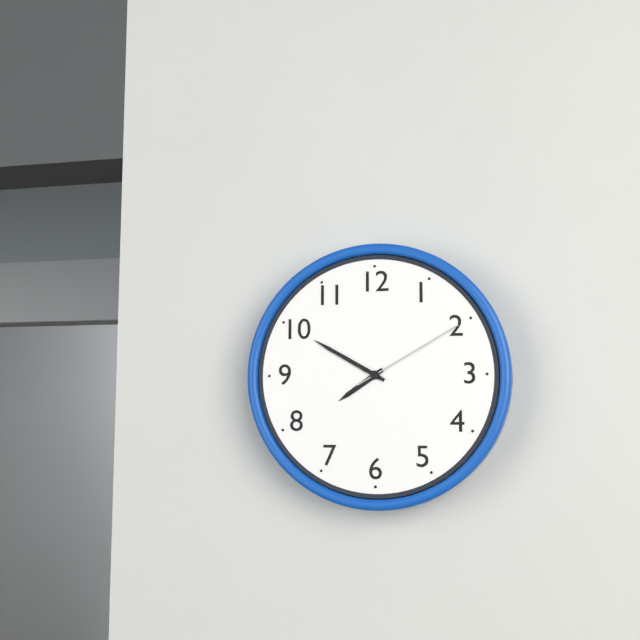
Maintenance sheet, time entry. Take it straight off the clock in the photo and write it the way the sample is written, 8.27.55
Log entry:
7.50.10
